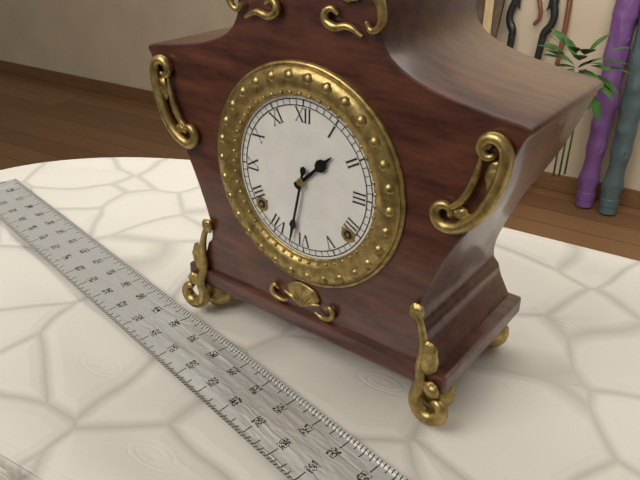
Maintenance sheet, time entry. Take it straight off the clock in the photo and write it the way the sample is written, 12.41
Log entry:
1.32
